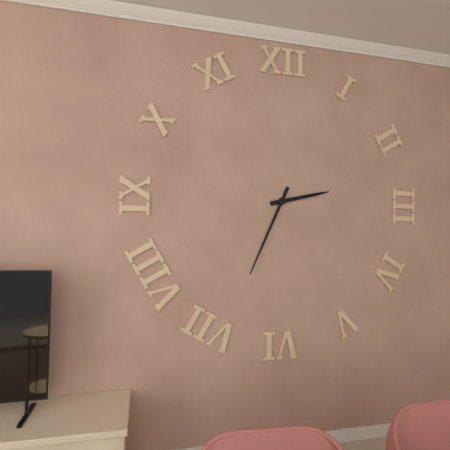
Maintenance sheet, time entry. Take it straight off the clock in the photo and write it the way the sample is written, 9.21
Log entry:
2.34
